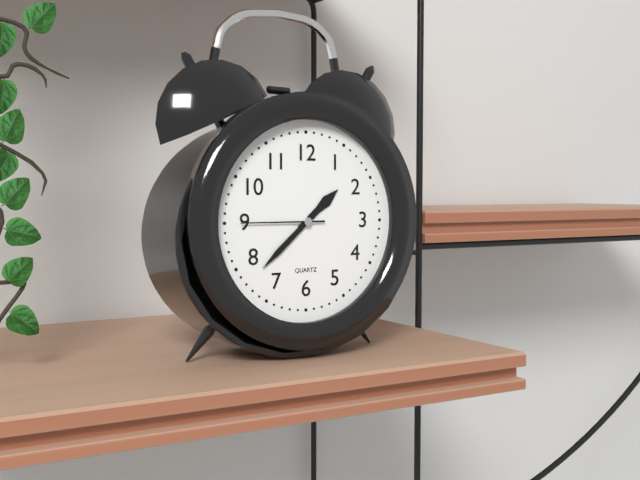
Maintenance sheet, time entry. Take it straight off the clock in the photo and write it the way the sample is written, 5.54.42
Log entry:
1.38.45
